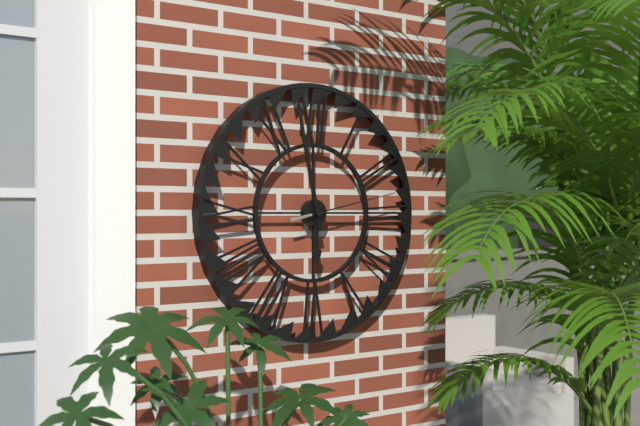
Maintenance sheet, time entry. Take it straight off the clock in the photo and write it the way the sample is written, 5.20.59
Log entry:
5.58.13
